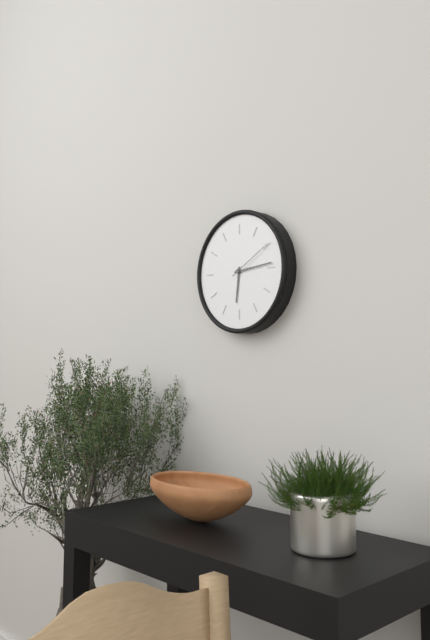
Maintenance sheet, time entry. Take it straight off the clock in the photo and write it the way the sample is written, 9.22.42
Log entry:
6.14.10
